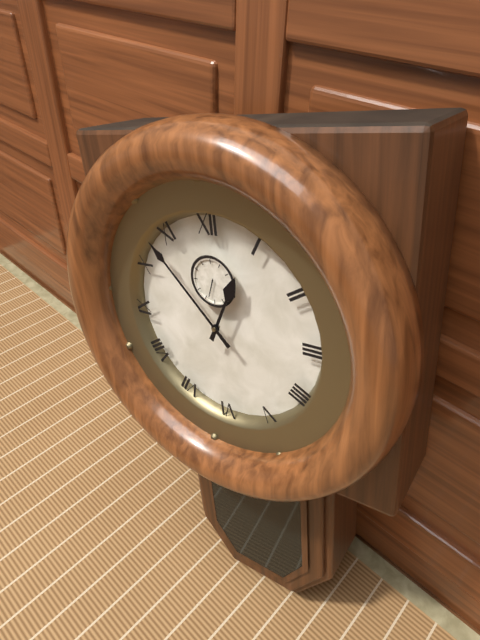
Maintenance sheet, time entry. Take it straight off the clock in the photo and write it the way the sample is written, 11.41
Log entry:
12.53
